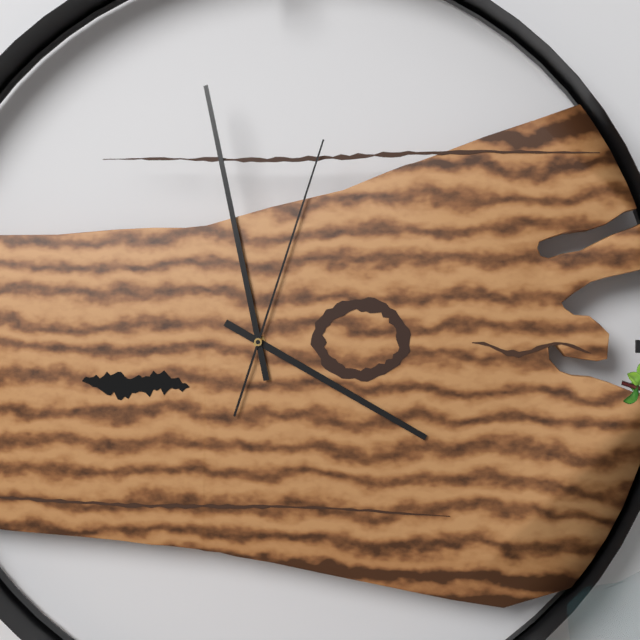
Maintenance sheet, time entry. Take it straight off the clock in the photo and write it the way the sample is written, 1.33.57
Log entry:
3.58.03
